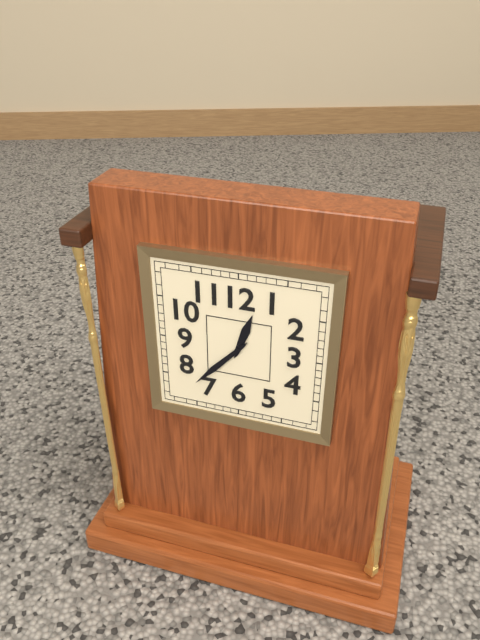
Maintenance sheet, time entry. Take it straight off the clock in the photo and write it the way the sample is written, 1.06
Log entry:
12.37
